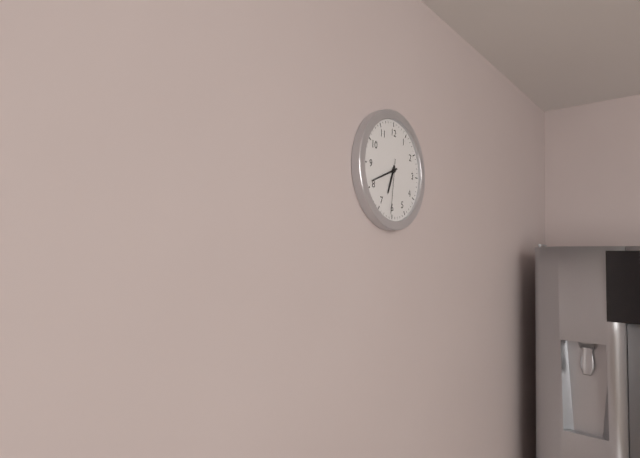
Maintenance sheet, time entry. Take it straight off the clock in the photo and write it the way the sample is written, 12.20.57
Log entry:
6.41.31
